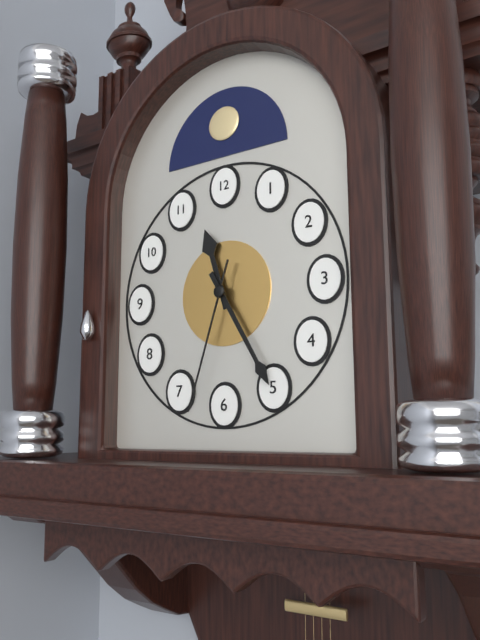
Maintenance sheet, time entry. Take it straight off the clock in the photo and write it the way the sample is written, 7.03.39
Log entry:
11.25.33
